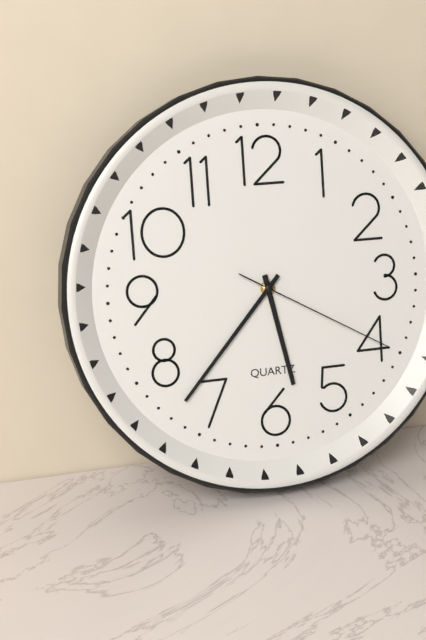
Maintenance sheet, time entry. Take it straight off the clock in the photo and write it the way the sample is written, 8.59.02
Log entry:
5.37.20
